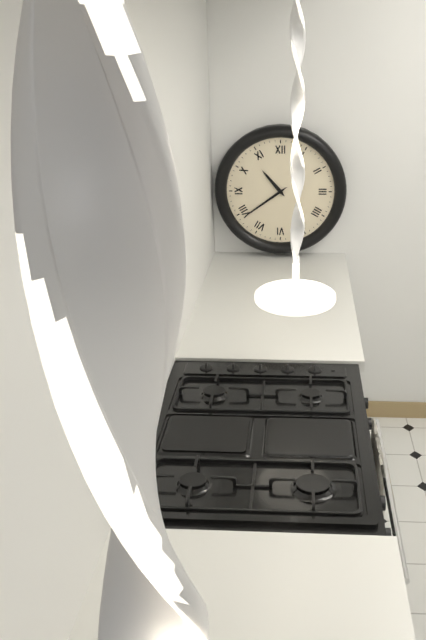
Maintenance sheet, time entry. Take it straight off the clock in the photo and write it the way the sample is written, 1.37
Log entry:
10.39
